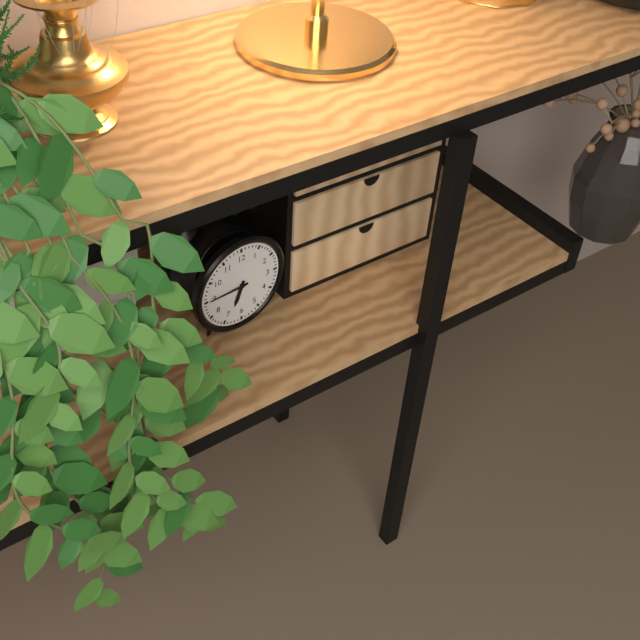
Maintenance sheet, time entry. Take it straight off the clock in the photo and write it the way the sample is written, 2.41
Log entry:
6.45
